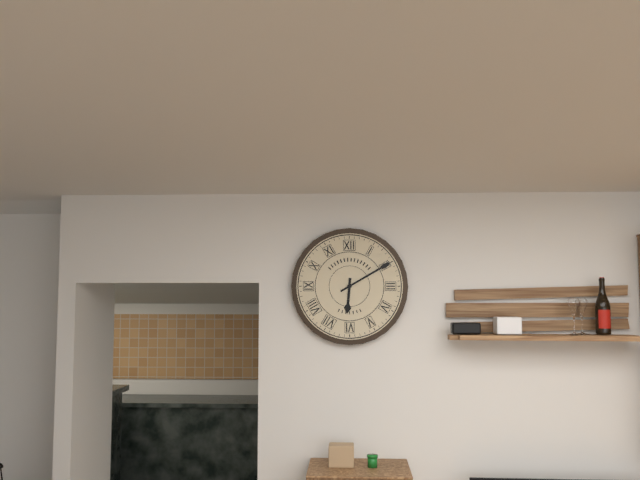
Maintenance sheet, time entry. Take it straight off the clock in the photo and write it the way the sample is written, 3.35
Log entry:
6.10
